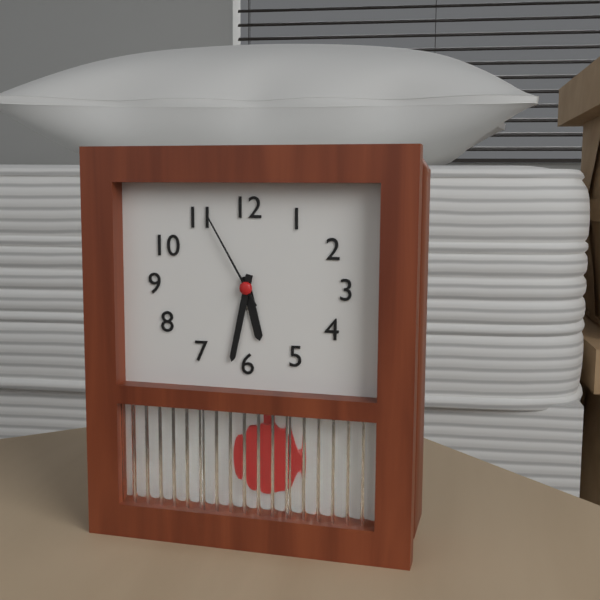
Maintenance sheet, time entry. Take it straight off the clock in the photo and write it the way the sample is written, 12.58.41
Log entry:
5.32.55
